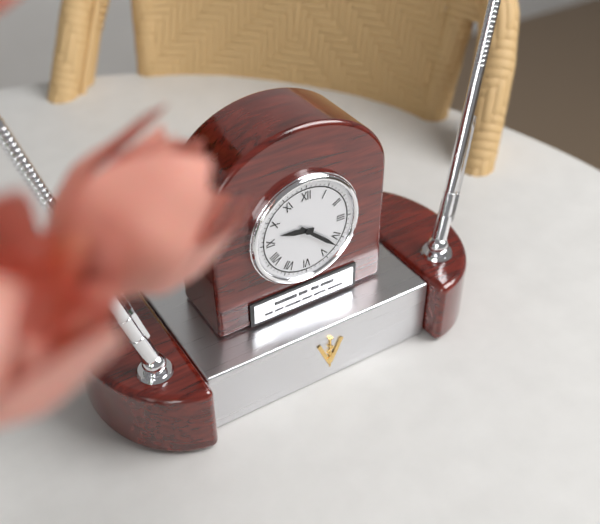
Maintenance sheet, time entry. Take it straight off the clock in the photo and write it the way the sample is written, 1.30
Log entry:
9.22
